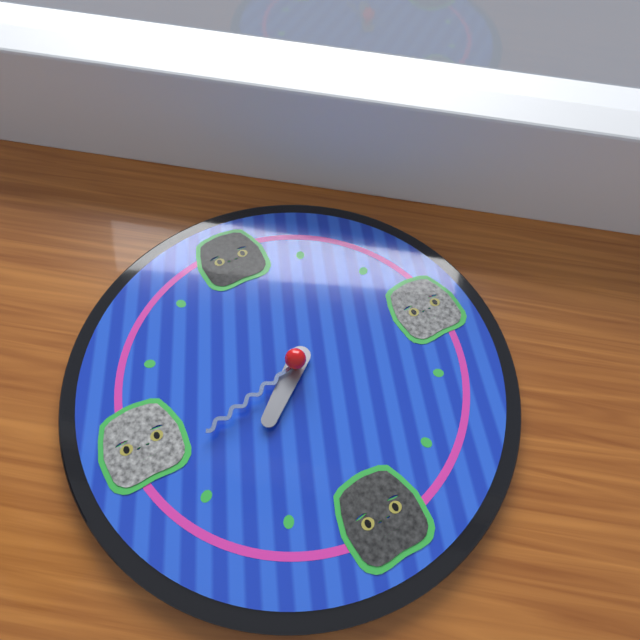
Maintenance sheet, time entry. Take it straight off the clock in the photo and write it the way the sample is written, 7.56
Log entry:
7.43
